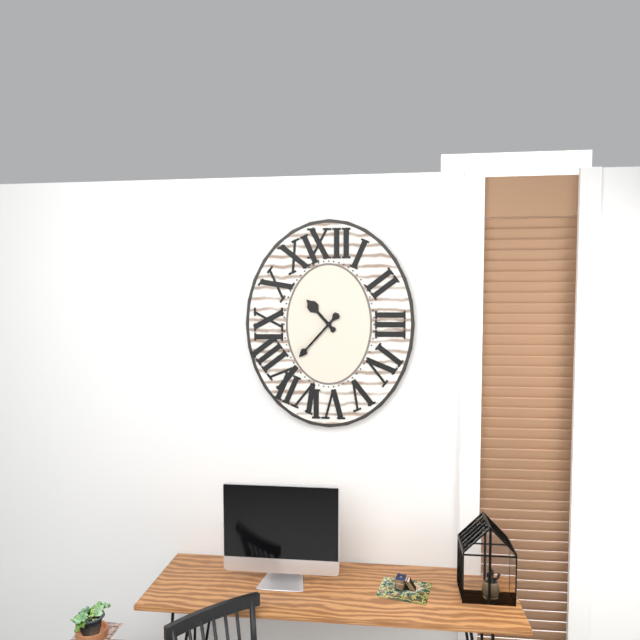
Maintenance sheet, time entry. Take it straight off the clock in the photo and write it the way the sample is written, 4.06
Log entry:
10.37
